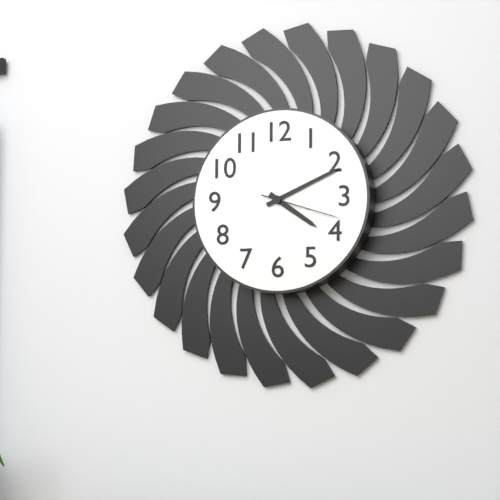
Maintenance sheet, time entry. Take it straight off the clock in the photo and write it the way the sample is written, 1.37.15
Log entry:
4.11.18
